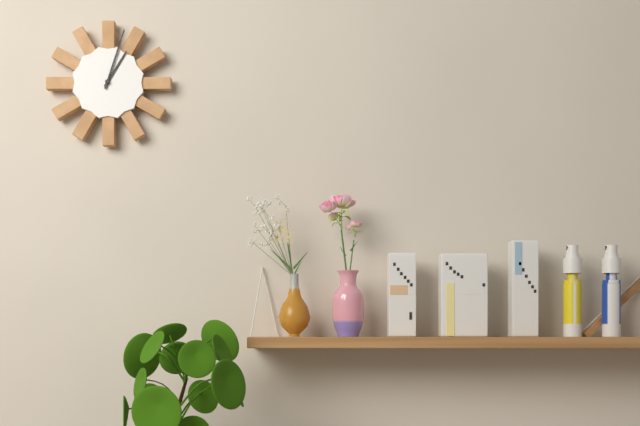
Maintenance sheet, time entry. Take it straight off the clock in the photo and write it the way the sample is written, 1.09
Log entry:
1.03
